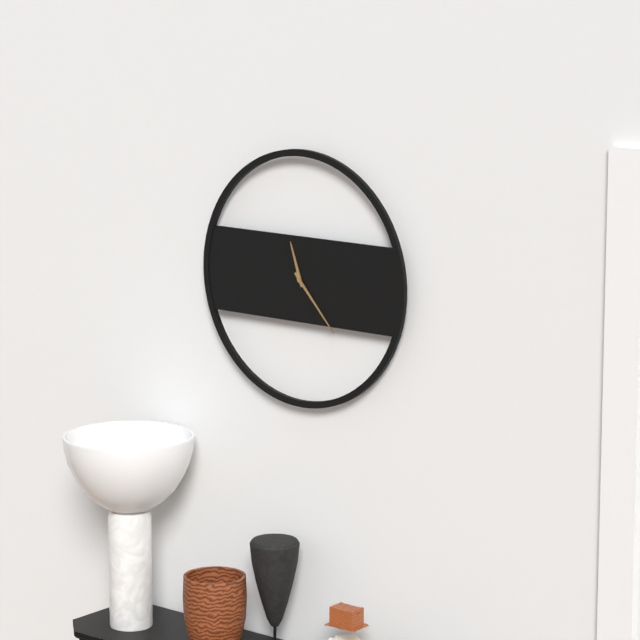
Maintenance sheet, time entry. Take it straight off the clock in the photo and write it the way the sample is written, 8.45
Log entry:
11.23
